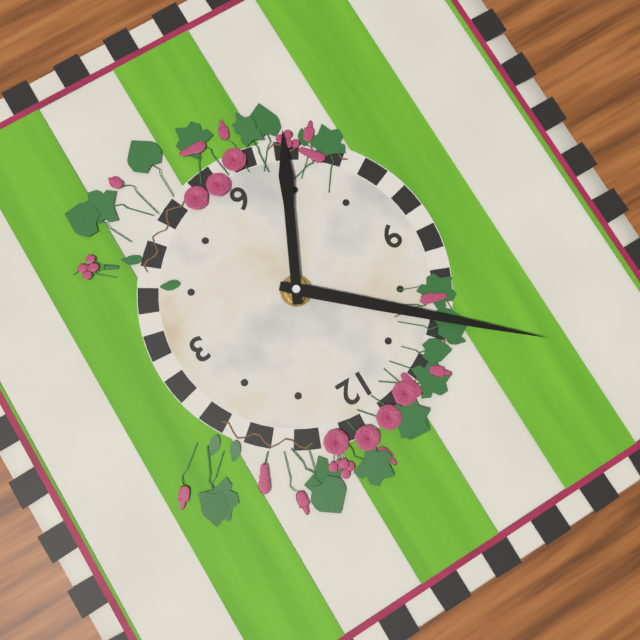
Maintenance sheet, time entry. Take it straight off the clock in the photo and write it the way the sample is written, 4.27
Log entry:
6.52
